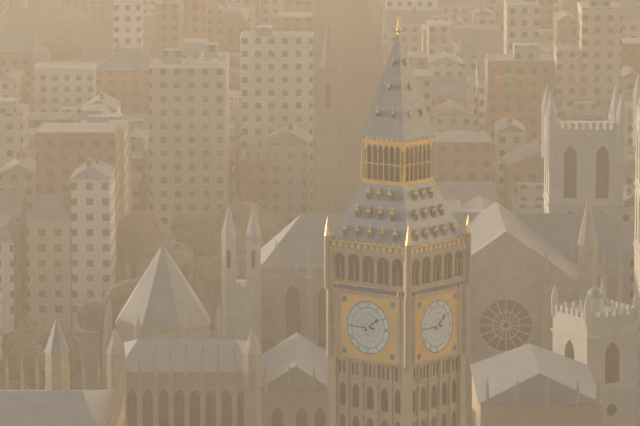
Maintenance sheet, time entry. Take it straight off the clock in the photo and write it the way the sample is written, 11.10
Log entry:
1.45
